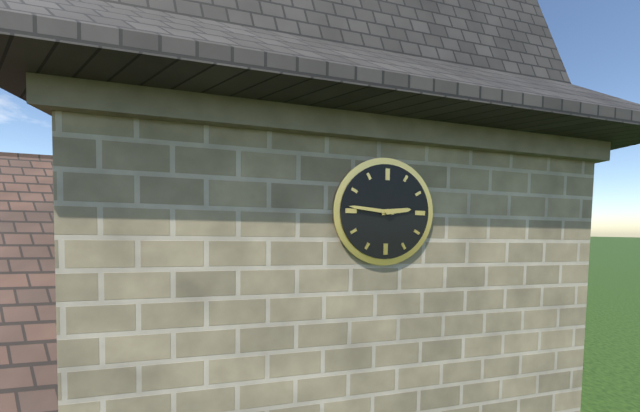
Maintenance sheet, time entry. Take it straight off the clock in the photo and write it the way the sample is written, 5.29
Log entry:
2.46
